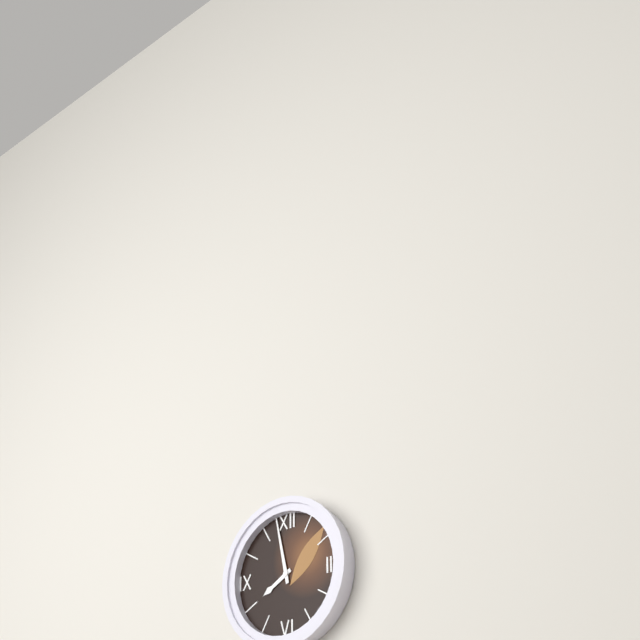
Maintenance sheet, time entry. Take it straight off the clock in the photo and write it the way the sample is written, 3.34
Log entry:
7.58
